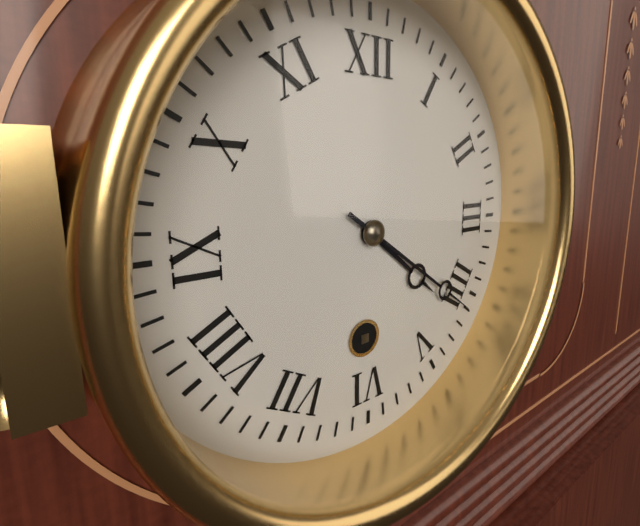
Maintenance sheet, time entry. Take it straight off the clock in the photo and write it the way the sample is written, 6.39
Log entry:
4.21
